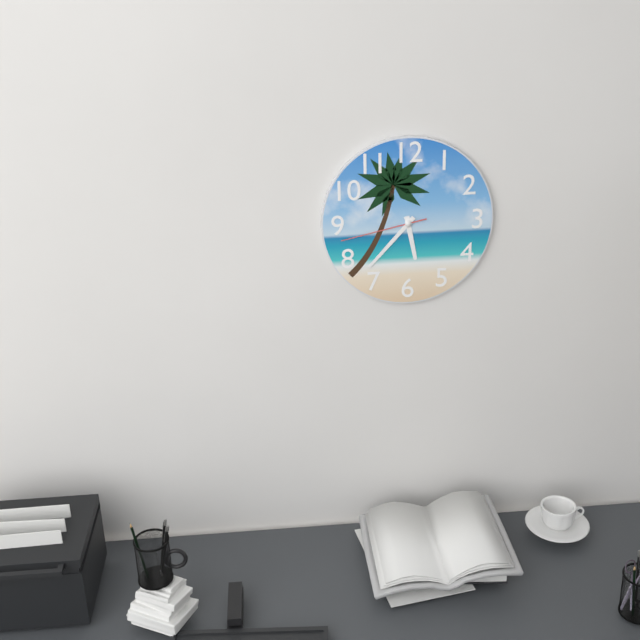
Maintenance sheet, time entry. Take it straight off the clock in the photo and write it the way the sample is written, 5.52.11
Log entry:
5.37.43
